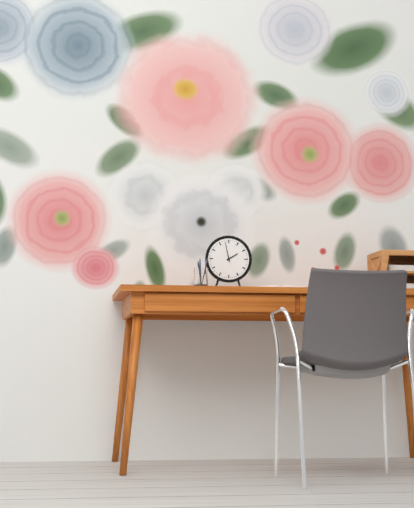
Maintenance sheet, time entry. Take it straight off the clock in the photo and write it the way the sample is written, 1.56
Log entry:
1.58
